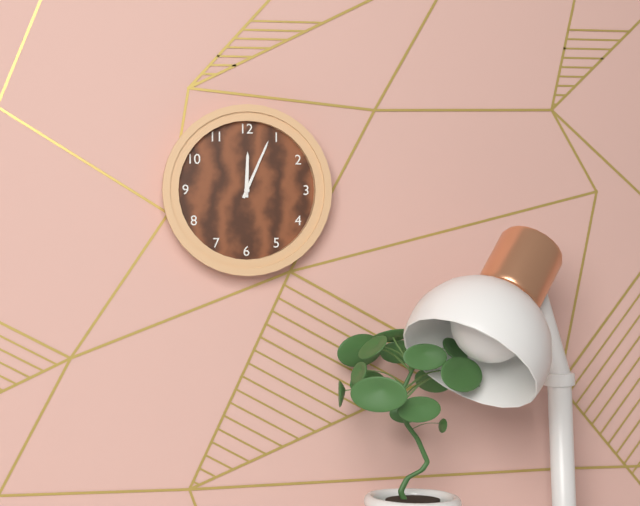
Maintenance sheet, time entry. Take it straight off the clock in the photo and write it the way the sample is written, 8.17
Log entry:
12.04
